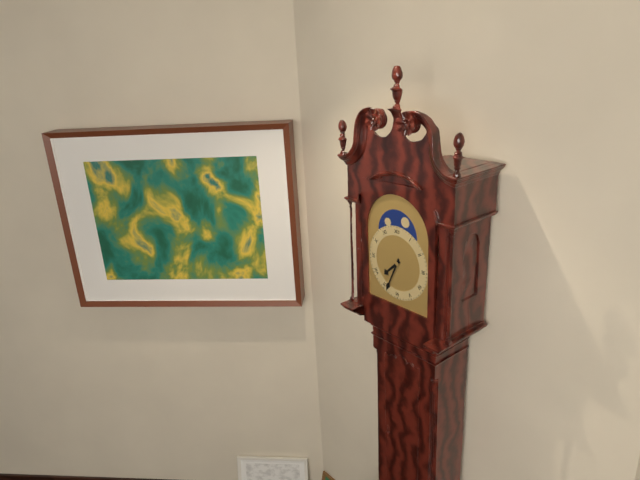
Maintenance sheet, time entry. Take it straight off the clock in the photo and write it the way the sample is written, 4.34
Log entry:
7.34
